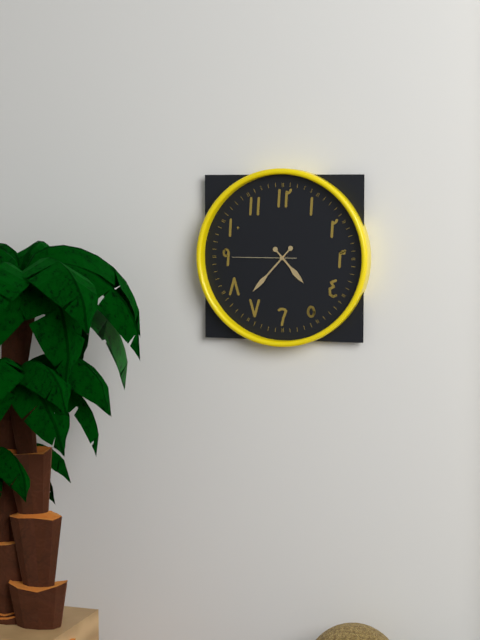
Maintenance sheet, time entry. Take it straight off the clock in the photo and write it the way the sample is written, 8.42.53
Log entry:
4.37.45
